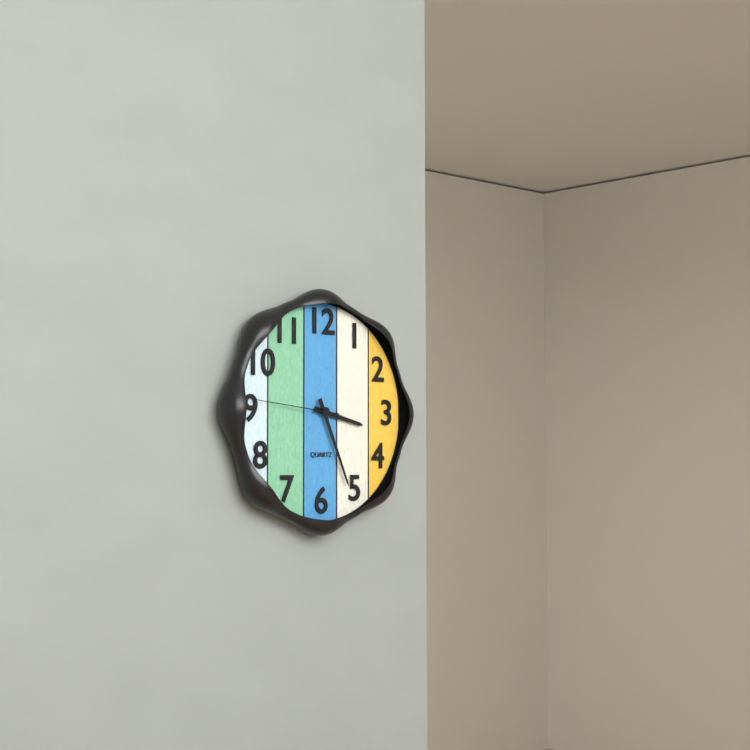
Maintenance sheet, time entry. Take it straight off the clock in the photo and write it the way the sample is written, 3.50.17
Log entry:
3.26.46
